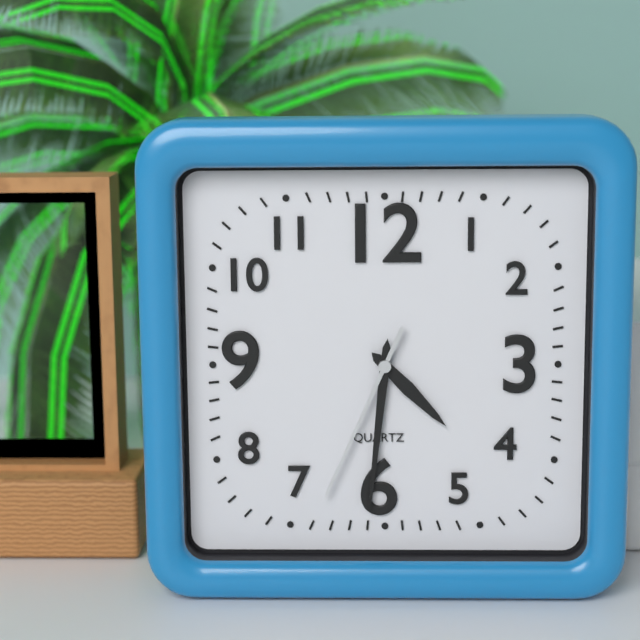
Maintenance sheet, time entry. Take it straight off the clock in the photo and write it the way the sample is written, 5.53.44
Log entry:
4.31.34
